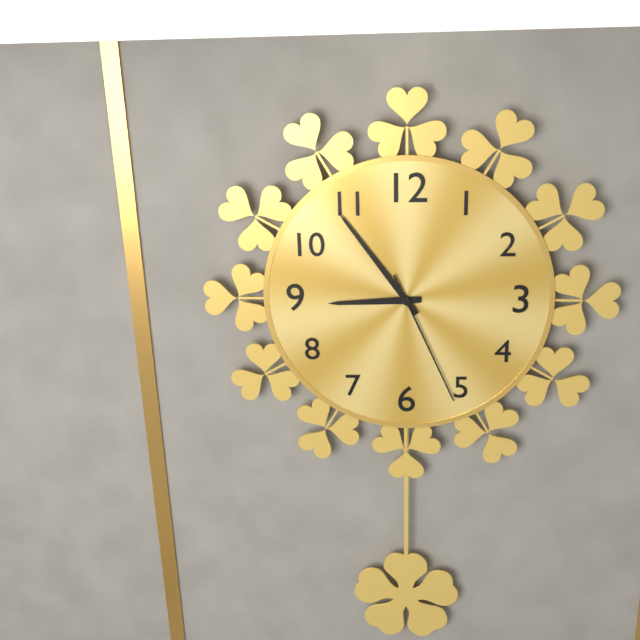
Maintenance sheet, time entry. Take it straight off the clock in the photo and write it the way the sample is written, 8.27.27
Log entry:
8.54.26
